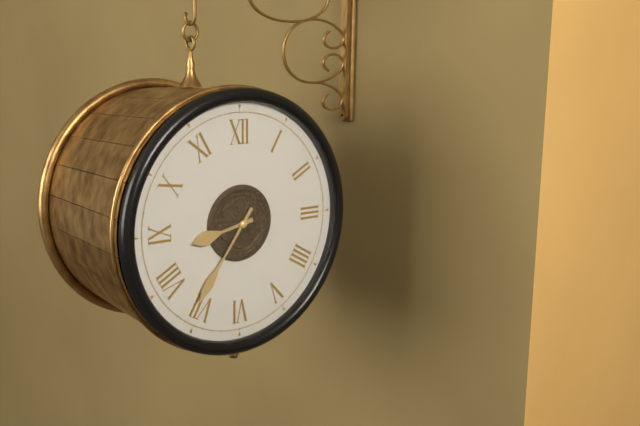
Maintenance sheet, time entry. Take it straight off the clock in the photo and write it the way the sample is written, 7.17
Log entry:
8.36
